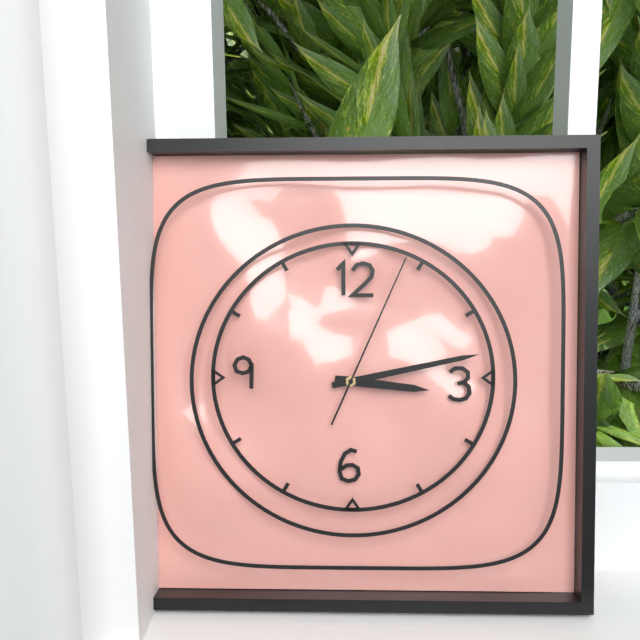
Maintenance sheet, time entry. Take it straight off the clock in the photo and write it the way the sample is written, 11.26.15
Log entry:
3.13.04
